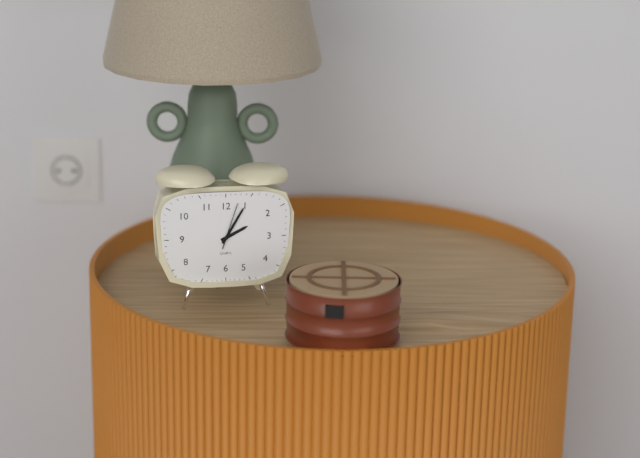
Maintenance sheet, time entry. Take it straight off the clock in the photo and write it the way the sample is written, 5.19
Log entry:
2.05
